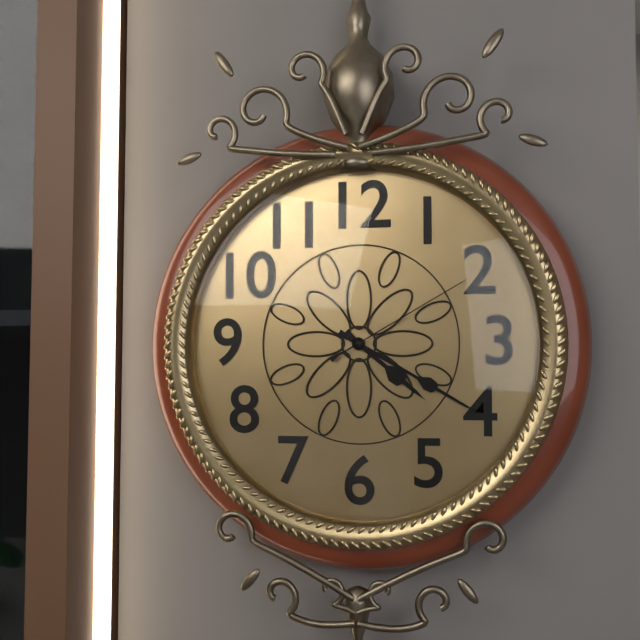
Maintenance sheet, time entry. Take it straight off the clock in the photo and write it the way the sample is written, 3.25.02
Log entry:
4.20.10
